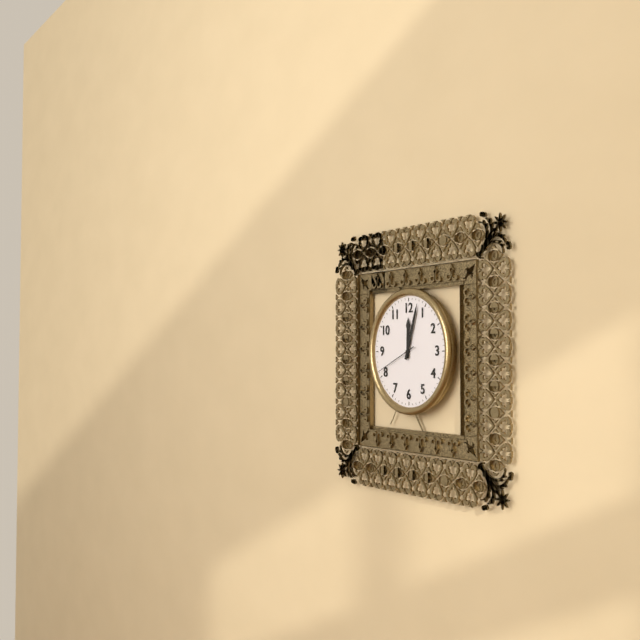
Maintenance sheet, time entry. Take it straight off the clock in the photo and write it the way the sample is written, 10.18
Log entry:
12.03
